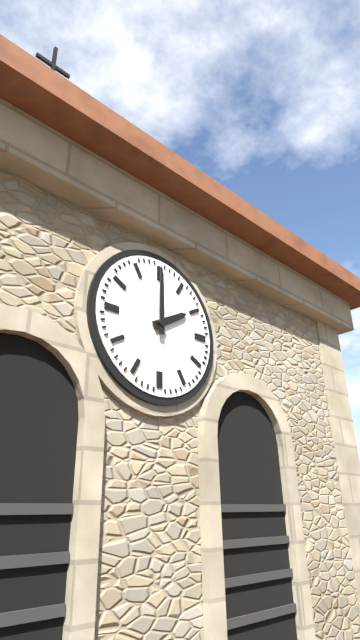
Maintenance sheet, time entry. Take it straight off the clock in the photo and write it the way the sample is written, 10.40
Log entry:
2.00
